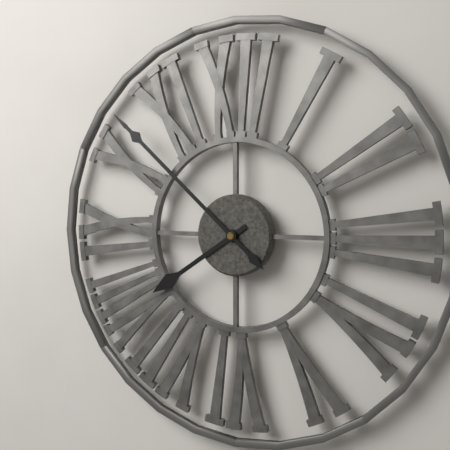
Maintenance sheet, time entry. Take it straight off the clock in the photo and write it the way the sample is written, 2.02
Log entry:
7.52
